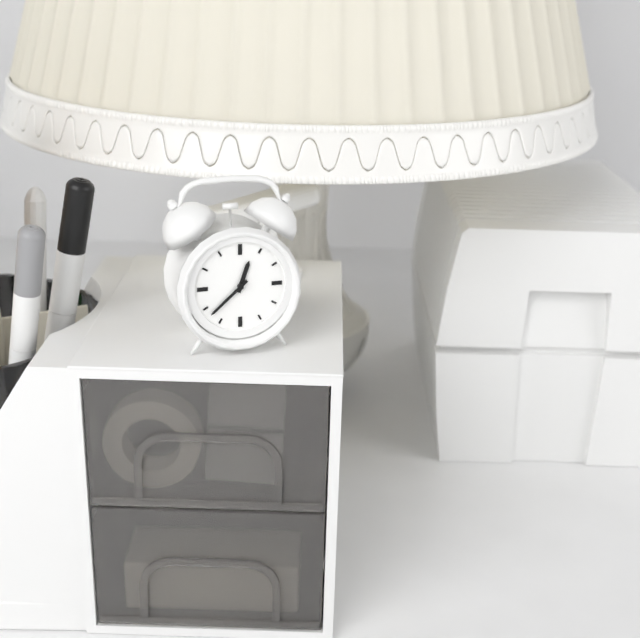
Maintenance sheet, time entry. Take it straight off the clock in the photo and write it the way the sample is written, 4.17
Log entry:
12.38
